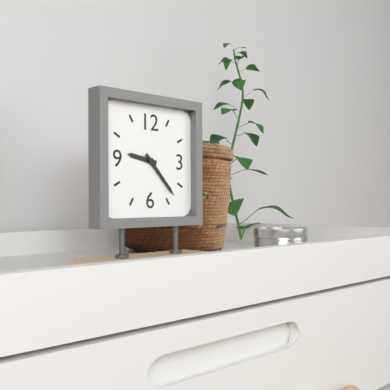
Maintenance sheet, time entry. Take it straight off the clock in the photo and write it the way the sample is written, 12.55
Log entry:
9.23
